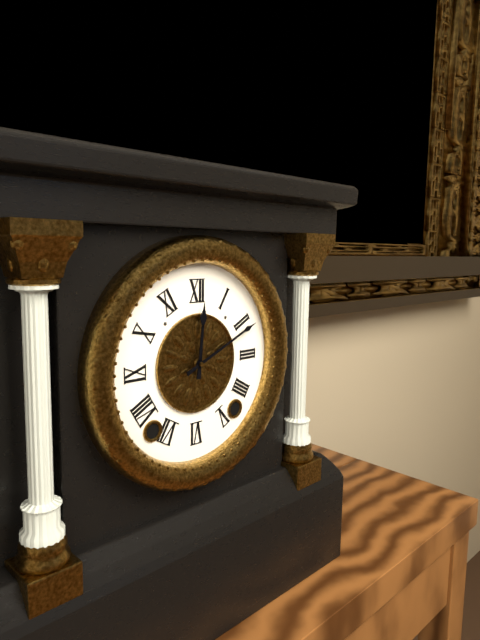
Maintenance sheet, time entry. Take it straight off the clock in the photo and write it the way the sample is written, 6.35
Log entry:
12.11
